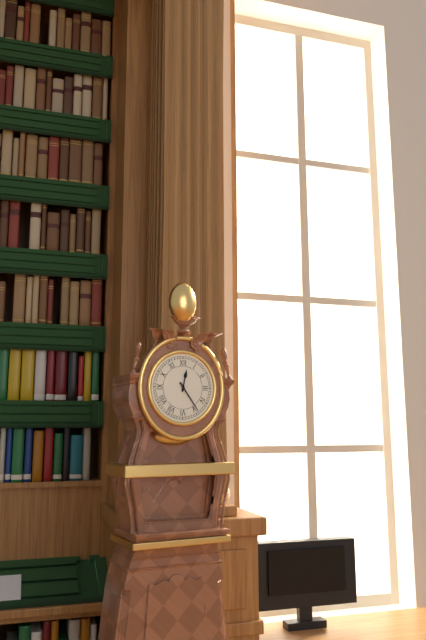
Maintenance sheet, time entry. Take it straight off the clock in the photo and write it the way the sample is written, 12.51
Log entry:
12.24
